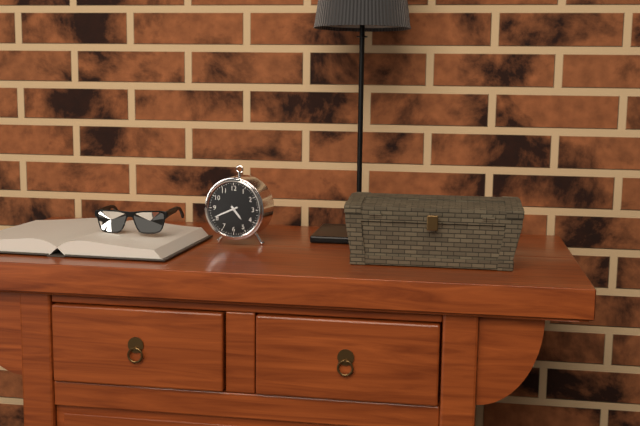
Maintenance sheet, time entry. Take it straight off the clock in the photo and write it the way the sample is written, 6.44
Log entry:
4.41
